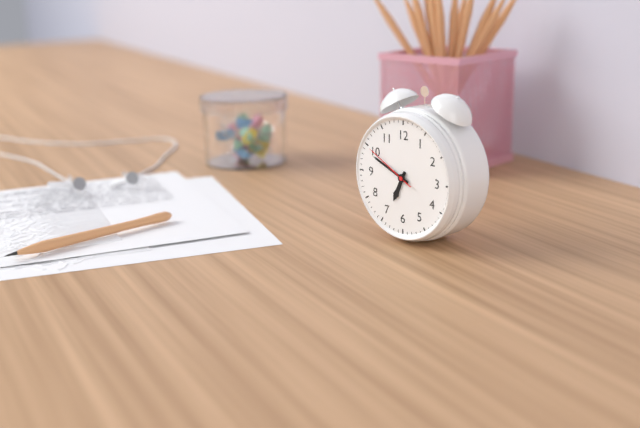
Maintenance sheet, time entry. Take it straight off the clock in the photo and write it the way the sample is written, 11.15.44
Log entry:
6.49.50
